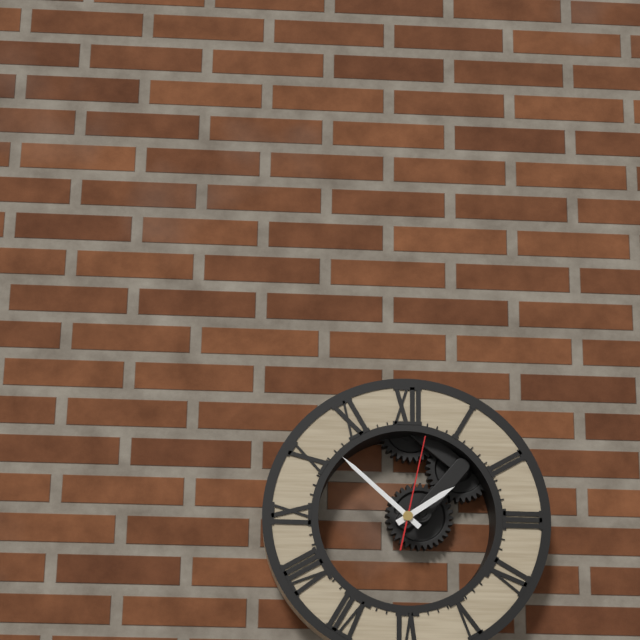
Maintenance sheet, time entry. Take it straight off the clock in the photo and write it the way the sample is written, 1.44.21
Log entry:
1.52.02
